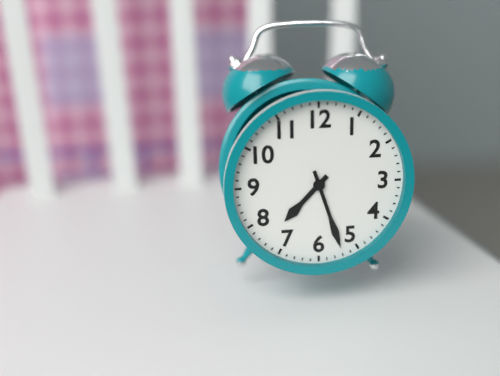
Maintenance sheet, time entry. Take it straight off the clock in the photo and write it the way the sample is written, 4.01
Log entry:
7.27
